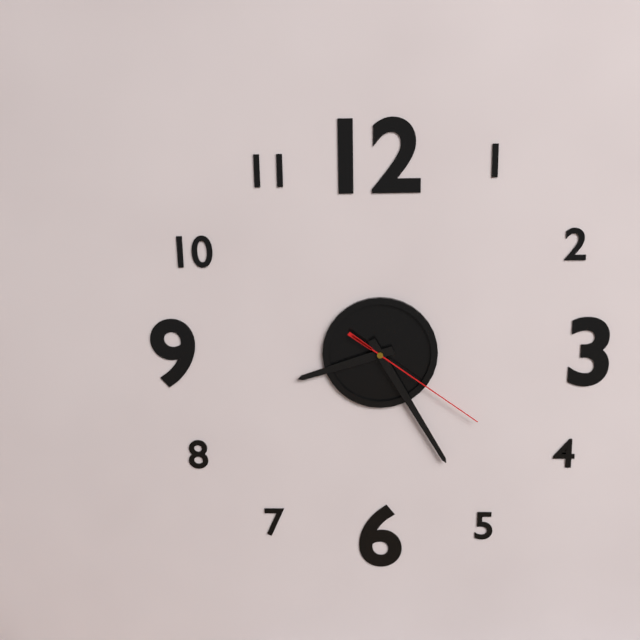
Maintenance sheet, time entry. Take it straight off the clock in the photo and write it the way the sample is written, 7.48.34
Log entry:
8.25.21
